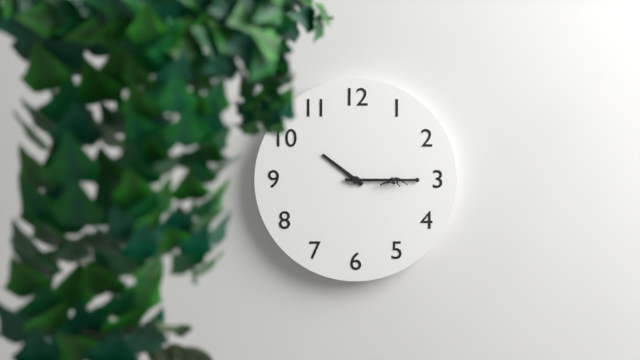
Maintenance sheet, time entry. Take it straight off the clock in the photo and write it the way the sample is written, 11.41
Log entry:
10.15
